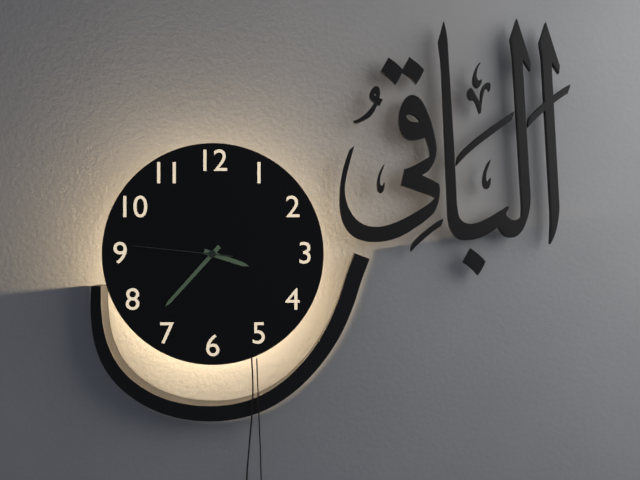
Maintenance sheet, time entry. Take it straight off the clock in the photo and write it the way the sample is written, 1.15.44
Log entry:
3.37.46
